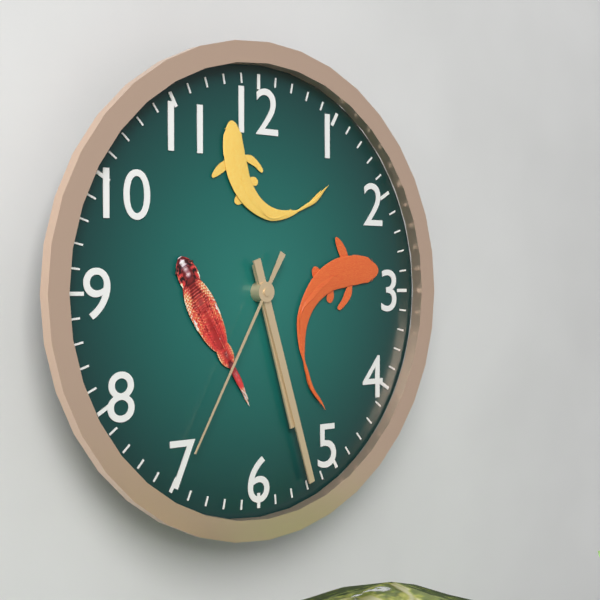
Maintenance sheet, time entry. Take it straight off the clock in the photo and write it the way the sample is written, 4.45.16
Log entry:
5.27.35
